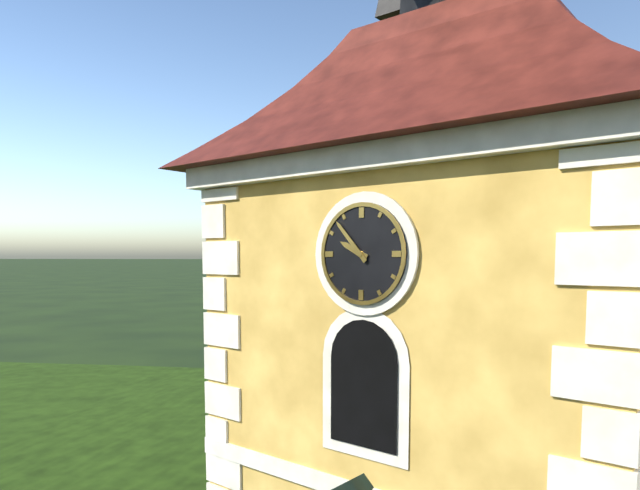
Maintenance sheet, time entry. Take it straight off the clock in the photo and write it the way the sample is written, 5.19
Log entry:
9.53
